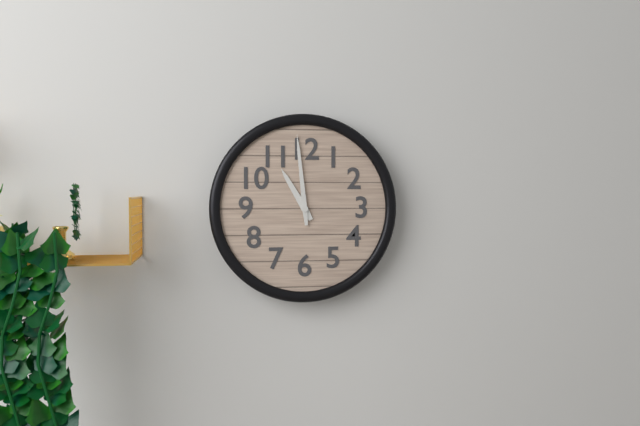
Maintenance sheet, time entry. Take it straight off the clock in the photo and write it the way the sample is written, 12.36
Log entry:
10.59
